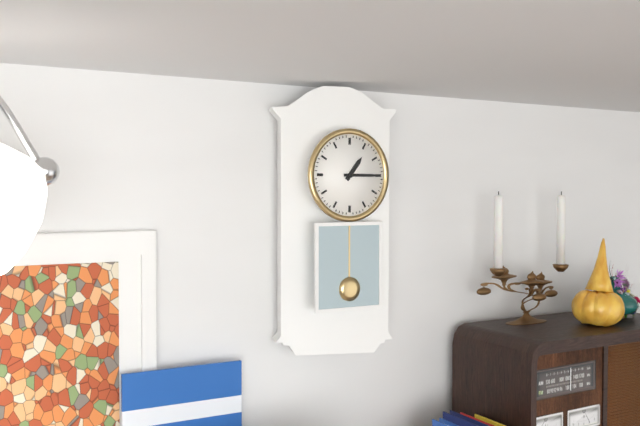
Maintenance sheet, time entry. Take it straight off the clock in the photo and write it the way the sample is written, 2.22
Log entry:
1.15
